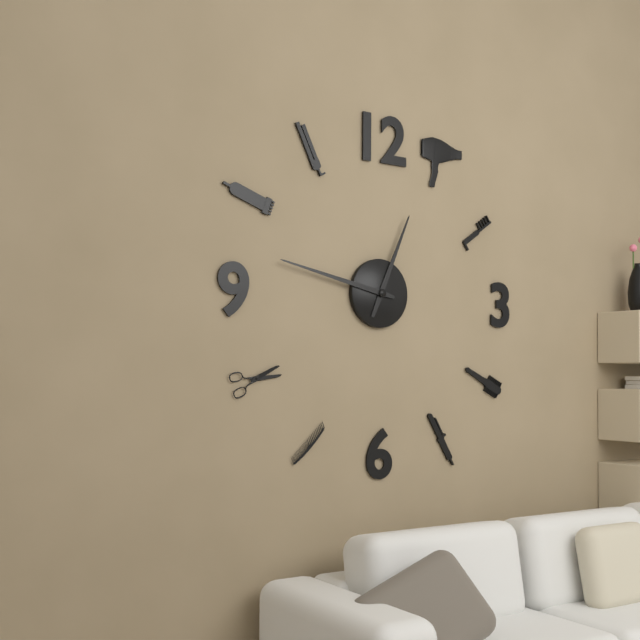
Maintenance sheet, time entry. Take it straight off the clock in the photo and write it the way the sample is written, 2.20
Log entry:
12.47
